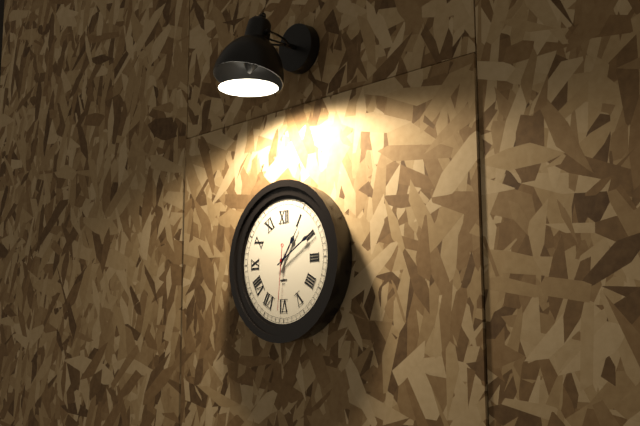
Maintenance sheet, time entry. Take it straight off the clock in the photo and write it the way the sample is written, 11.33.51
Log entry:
1.10.31
